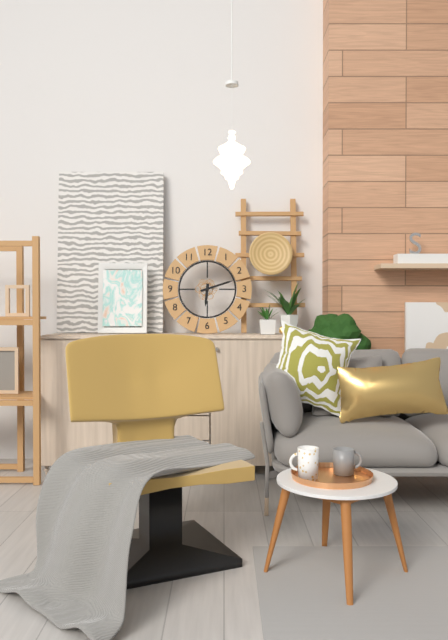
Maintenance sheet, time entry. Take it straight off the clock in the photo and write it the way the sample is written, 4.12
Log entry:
6.12
